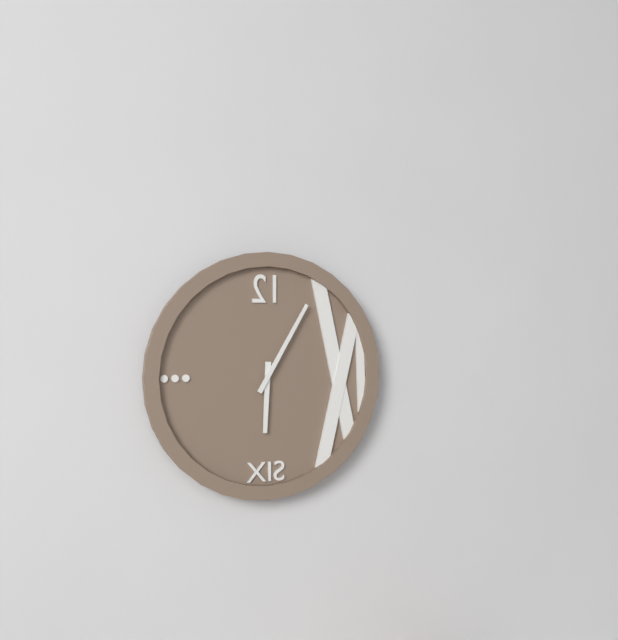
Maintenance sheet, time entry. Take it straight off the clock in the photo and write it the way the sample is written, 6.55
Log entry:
6.05
